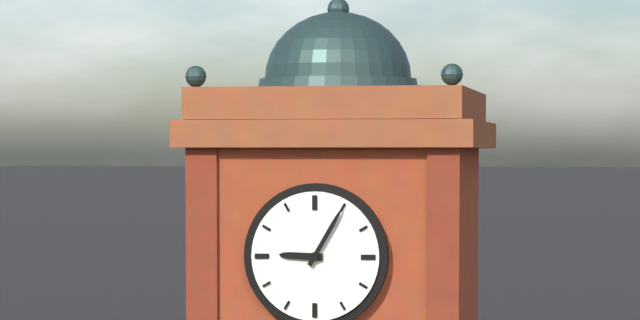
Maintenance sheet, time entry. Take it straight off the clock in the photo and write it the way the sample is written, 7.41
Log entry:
9.05
